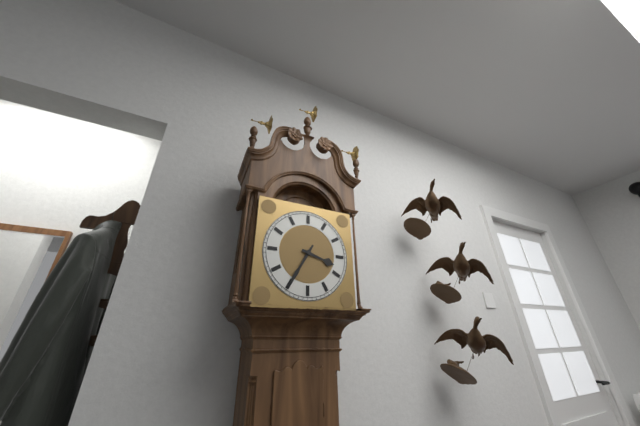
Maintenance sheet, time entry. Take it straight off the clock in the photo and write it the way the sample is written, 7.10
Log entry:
3.35
